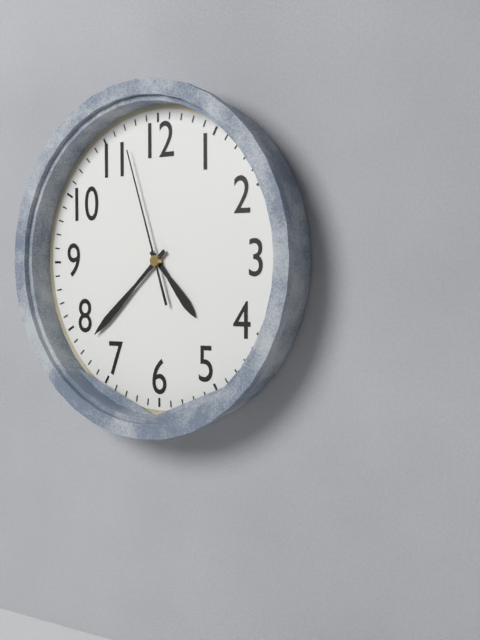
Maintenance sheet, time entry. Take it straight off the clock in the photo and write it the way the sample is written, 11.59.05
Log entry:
4.38.57
